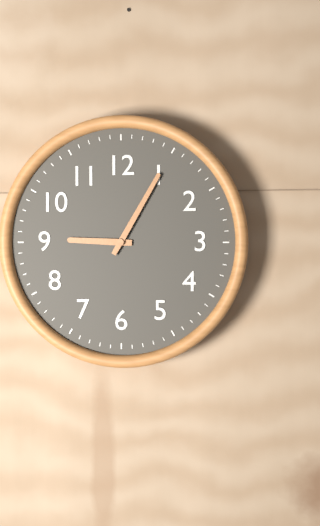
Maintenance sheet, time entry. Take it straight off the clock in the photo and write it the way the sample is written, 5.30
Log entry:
9.05
